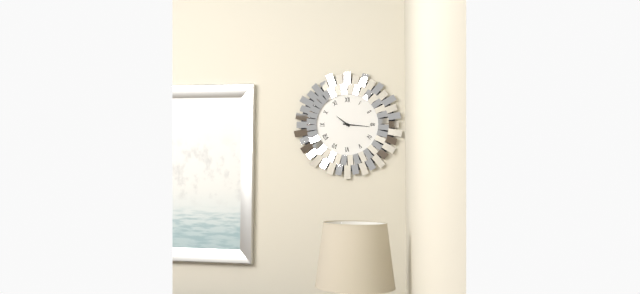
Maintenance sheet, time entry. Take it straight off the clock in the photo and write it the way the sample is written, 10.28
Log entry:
10.16
